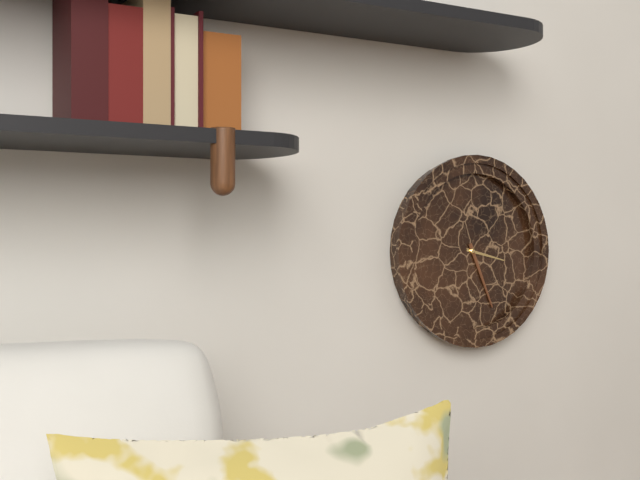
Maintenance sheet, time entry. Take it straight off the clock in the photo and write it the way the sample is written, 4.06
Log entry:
3.26
